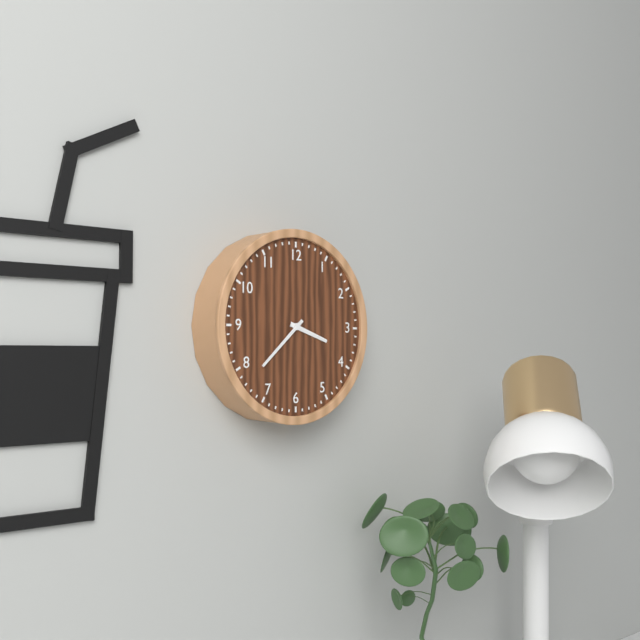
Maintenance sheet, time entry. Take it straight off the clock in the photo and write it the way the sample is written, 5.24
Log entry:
3.38
